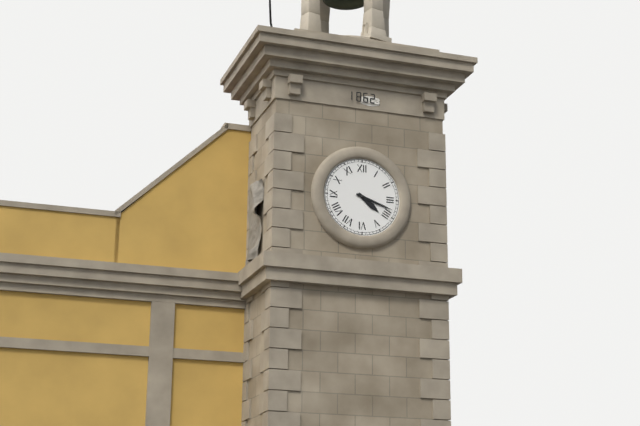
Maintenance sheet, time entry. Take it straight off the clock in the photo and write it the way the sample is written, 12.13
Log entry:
4.18
